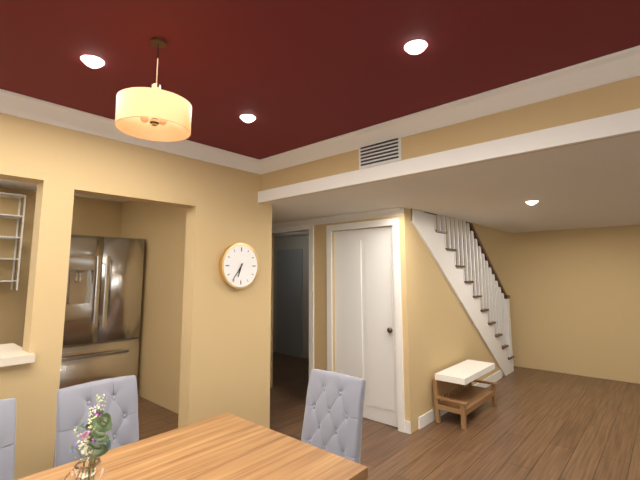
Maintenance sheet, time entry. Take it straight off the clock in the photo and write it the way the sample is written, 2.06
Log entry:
6.36
